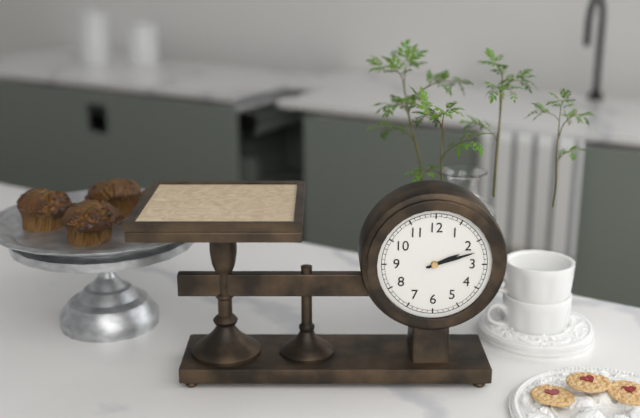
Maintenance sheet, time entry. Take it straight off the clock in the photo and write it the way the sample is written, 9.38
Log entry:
2.12
